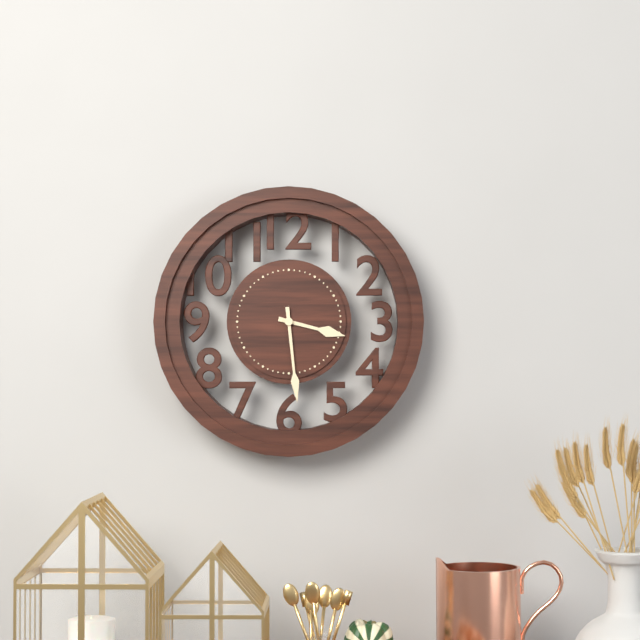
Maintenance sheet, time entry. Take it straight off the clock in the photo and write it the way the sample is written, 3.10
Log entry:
3.29
